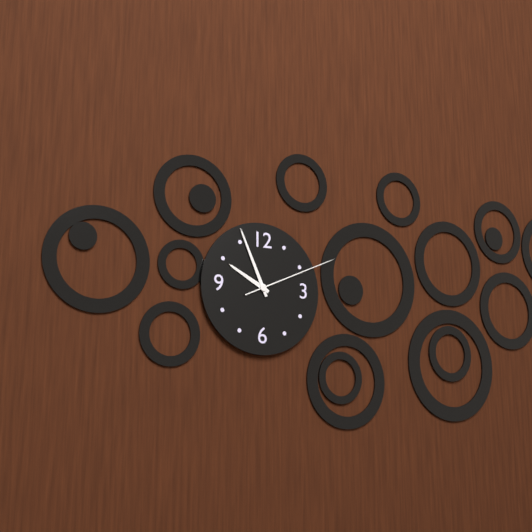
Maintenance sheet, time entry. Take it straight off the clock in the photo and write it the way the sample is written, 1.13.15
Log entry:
9.56.11
